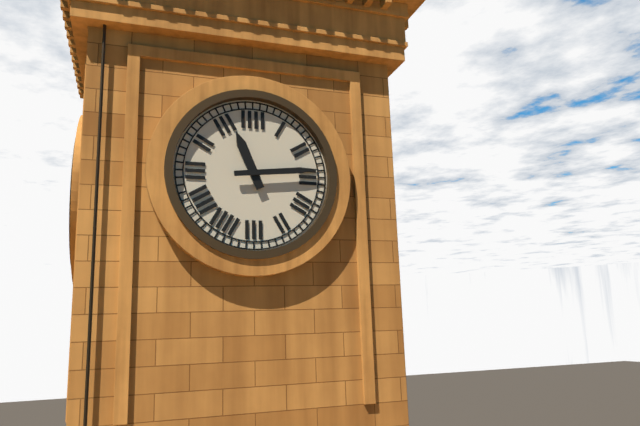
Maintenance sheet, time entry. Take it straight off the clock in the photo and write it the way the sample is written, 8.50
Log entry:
11.14
